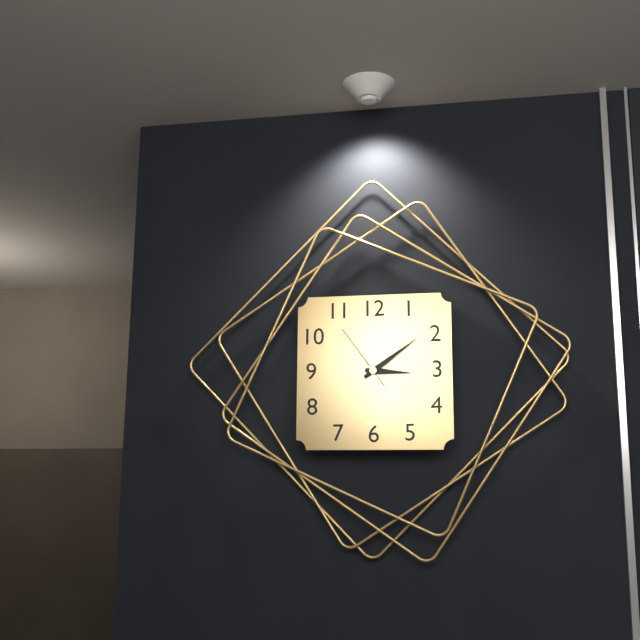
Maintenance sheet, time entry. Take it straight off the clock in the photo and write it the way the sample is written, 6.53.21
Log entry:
3.09.54
